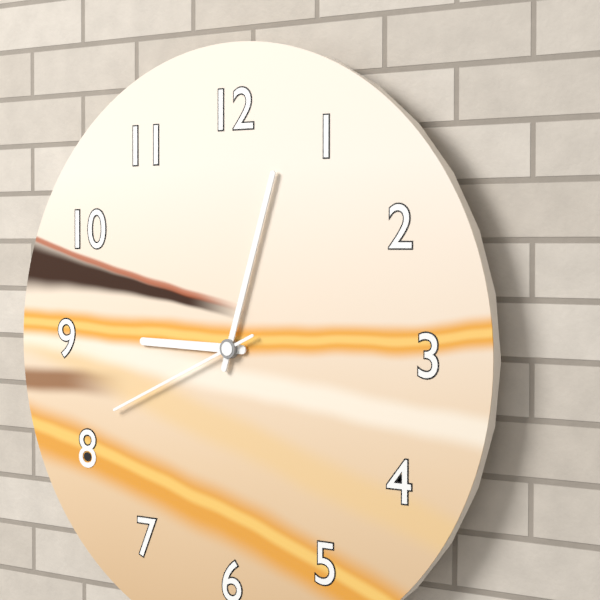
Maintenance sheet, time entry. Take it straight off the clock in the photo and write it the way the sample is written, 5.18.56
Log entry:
9.03.41
